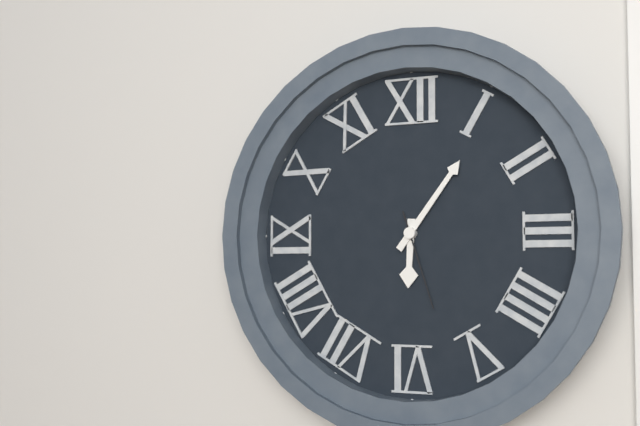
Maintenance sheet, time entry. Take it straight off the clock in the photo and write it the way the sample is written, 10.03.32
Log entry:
6.06.27
